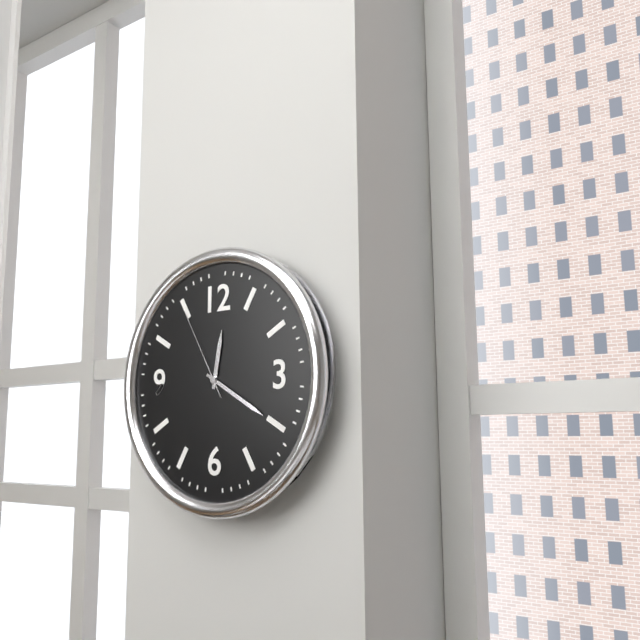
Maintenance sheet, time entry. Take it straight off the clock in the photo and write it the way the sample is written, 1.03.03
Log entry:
12.20.55
